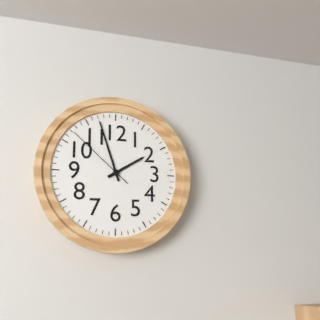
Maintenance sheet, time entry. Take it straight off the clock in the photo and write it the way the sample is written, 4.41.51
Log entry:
1.57.52
